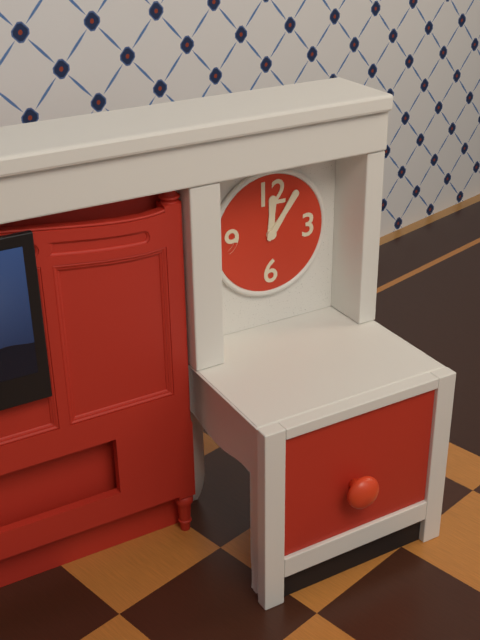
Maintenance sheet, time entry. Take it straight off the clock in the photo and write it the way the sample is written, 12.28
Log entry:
12.06
